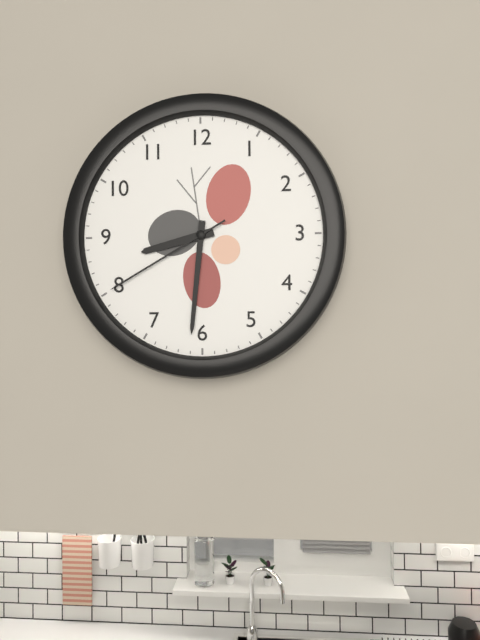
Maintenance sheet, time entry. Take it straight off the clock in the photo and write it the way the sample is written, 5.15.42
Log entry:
8.31.40
